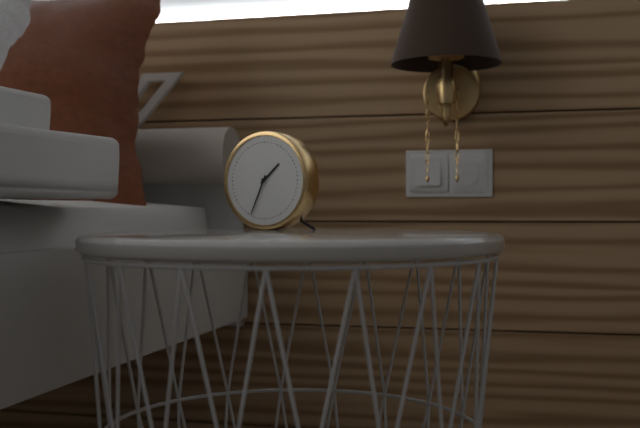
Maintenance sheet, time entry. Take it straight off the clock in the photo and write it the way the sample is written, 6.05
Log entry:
1.34
